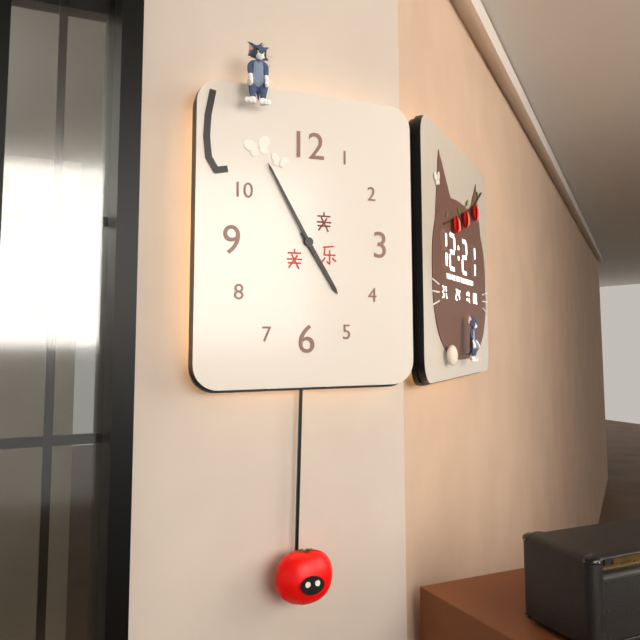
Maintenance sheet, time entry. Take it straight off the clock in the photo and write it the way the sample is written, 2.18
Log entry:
4.55
